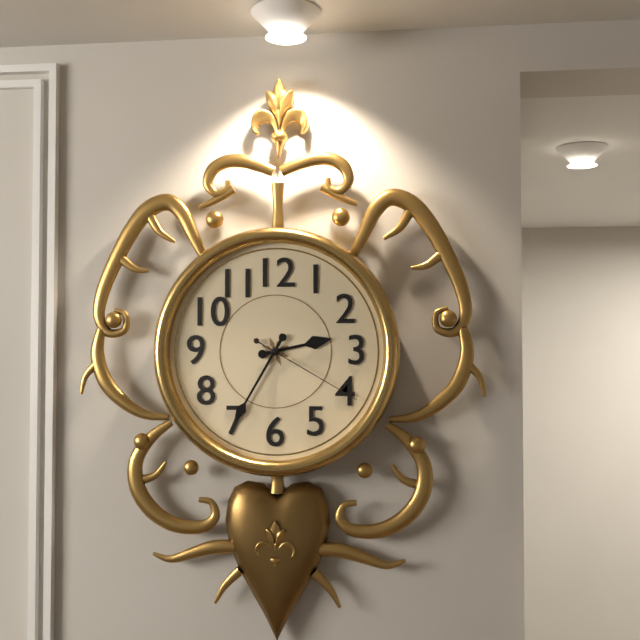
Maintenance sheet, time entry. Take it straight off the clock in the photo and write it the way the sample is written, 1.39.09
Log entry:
2.35.20
